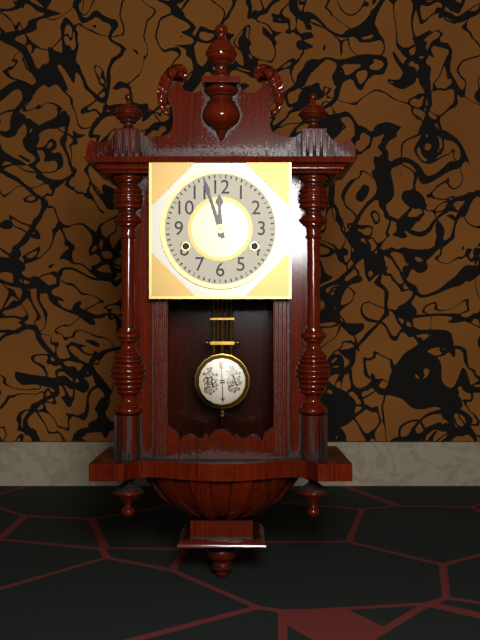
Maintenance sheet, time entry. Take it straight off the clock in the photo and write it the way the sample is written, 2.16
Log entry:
11.57
